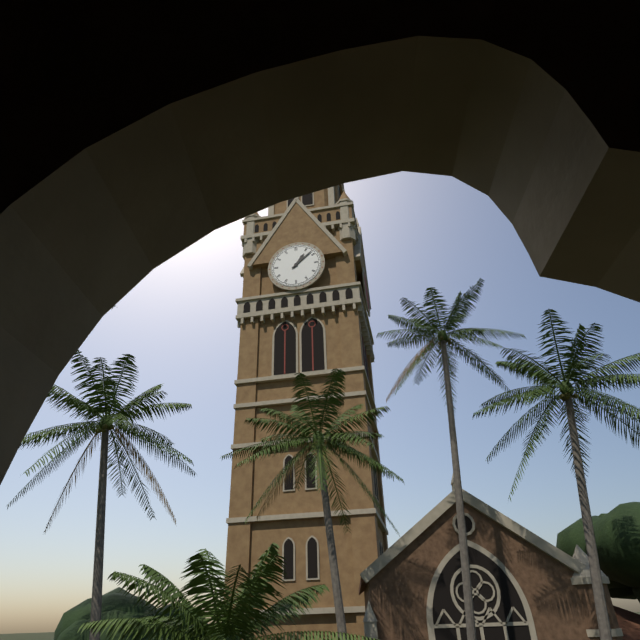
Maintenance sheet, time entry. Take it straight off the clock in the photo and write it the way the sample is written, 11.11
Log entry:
1.08
